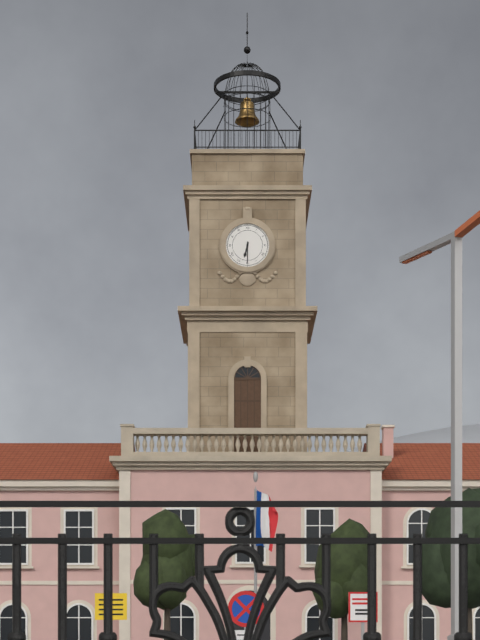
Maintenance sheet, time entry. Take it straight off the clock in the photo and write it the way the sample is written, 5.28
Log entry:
6.30
